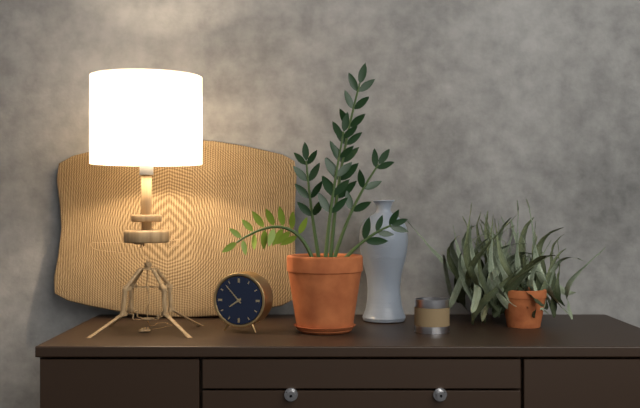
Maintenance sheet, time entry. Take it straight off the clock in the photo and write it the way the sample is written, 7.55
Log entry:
7.53
